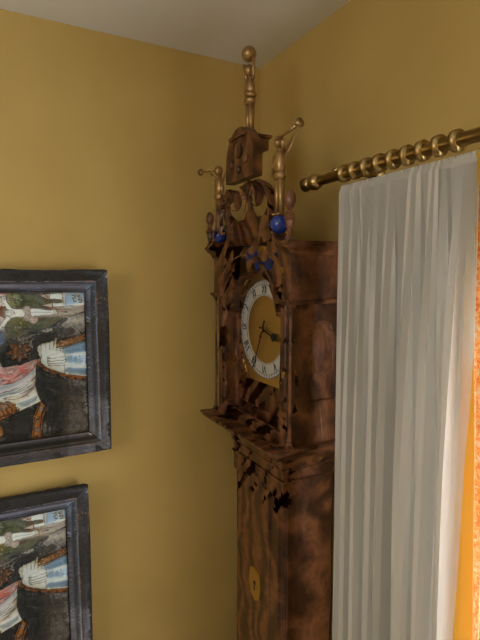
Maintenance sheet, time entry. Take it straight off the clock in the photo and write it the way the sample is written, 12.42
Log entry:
3.34
